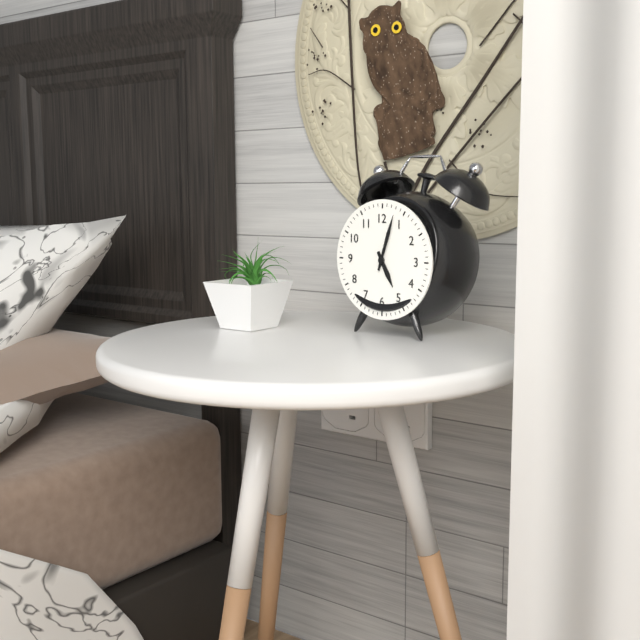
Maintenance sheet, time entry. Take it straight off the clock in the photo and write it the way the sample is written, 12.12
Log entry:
5.03
